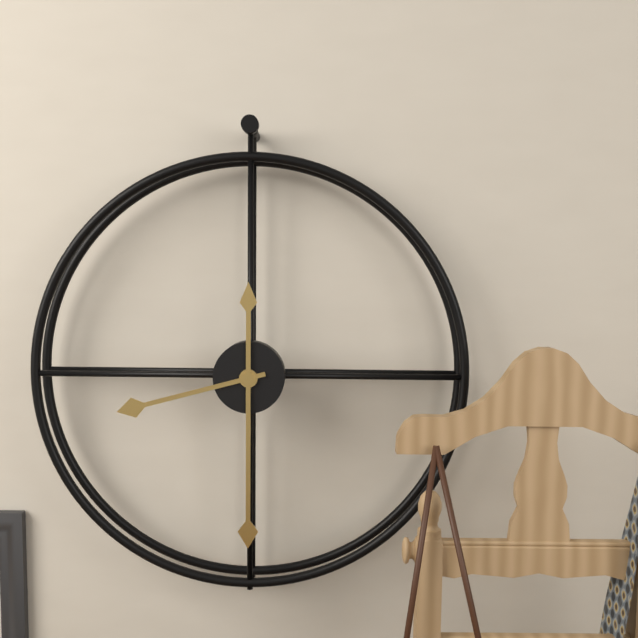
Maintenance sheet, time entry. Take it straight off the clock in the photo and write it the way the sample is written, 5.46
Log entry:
8.30
